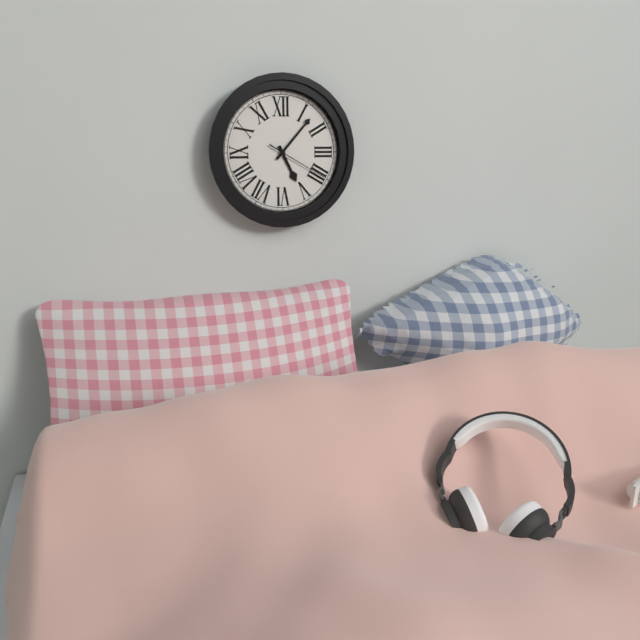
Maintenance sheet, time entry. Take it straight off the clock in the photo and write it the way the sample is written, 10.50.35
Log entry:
5.07.20
